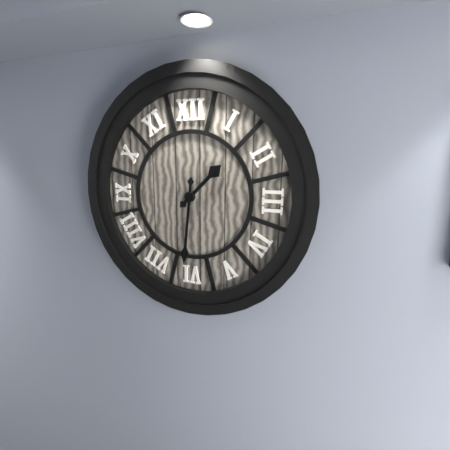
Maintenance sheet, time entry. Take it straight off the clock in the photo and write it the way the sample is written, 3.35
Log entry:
1.31
